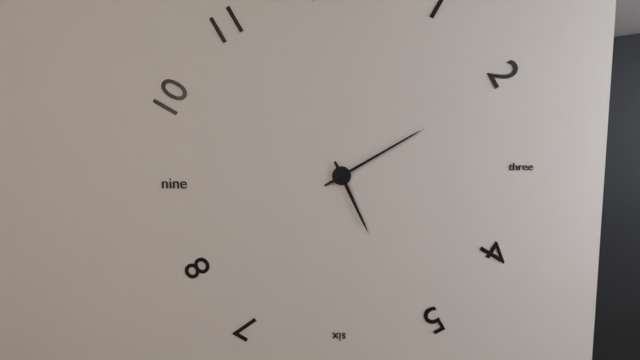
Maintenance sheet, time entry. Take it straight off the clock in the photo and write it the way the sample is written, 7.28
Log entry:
5.10
